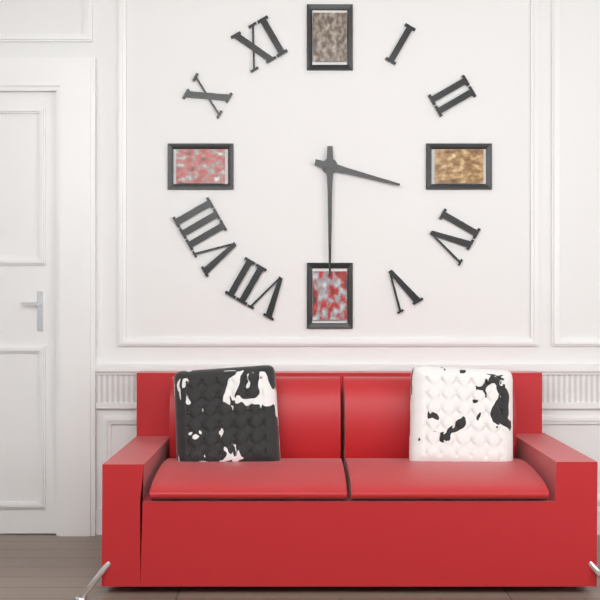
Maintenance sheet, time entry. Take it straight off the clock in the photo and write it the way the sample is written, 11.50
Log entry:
3.30
